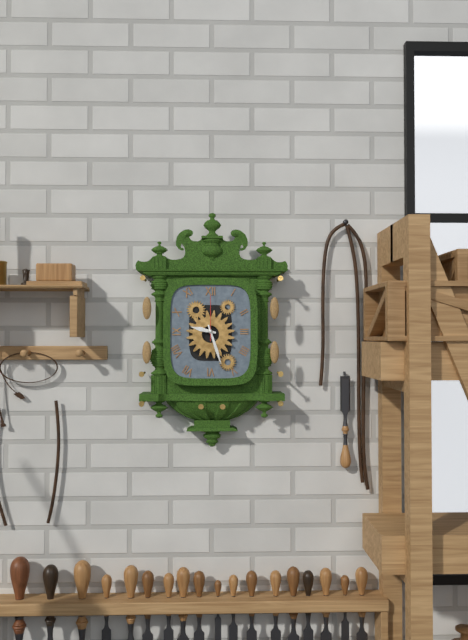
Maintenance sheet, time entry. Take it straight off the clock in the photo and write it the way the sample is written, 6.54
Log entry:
9.27
